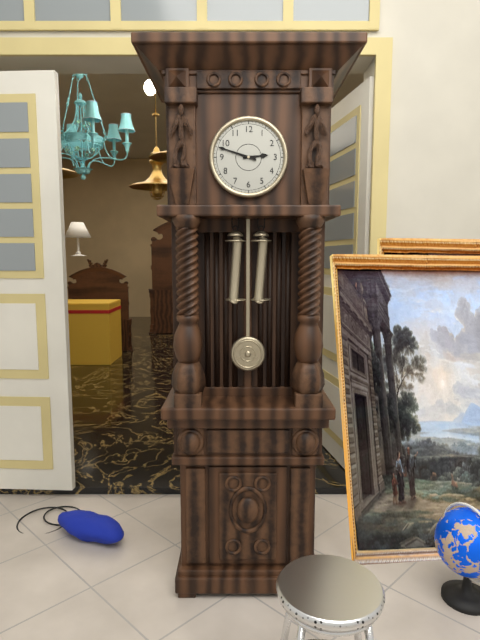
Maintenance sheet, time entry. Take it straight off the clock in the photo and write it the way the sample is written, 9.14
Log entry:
2.48
